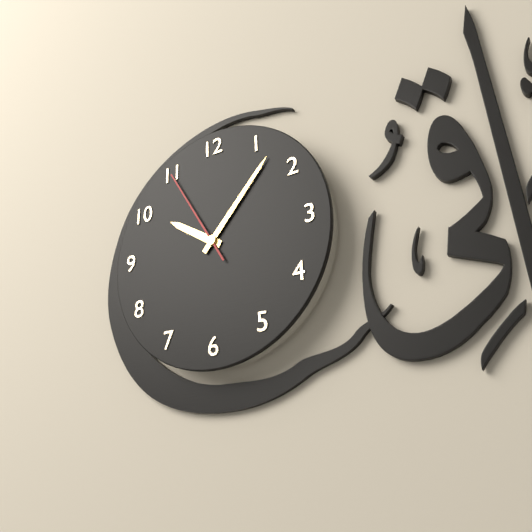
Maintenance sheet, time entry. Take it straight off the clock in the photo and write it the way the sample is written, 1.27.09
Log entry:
10.07.55
